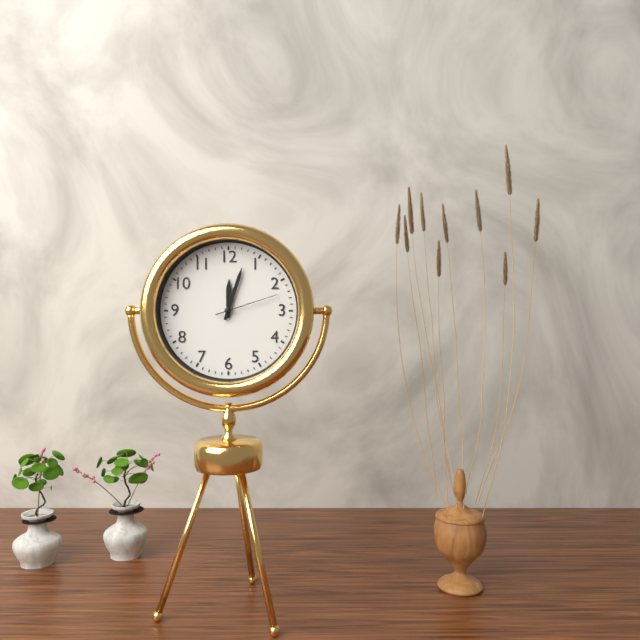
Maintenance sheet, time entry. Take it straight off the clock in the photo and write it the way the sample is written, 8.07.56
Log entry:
12.03.12
